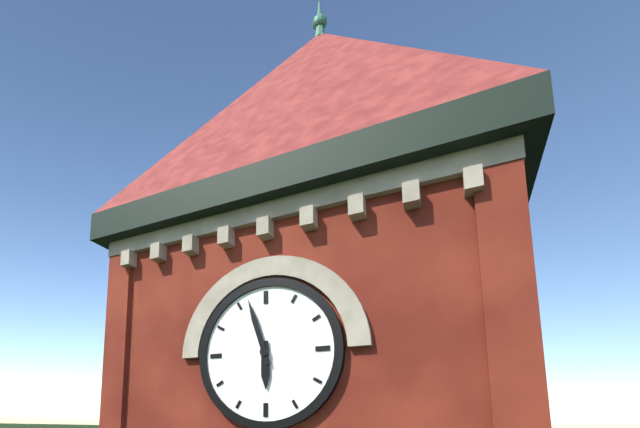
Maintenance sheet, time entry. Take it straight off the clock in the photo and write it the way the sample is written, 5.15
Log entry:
5.57
